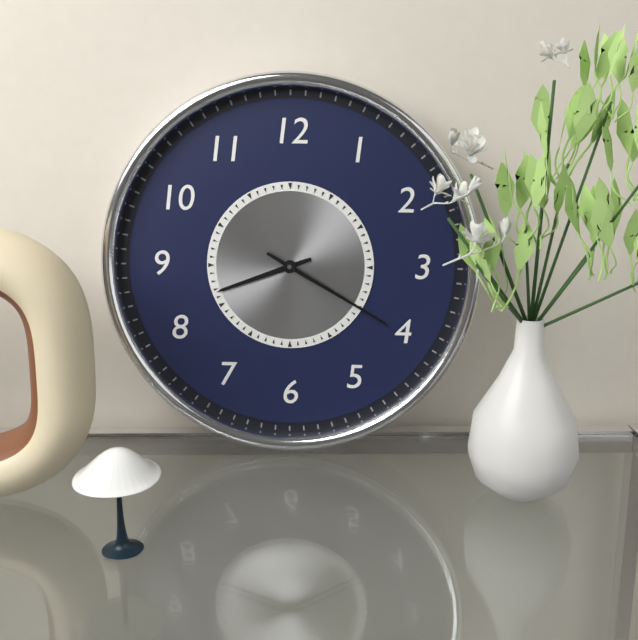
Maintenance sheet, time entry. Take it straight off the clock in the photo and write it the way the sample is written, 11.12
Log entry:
8.20
